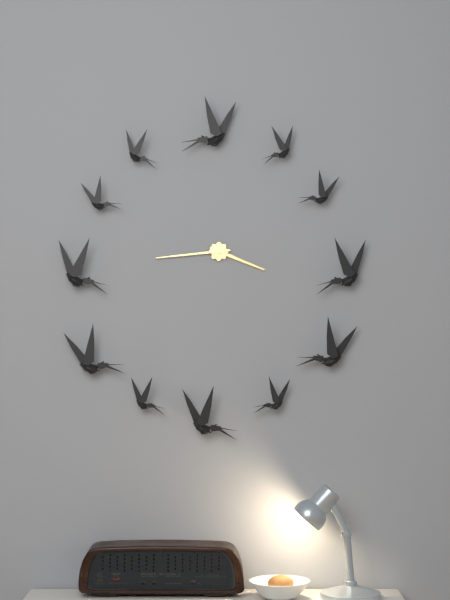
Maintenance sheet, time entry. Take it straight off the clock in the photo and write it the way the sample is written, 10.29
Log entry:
3.44
